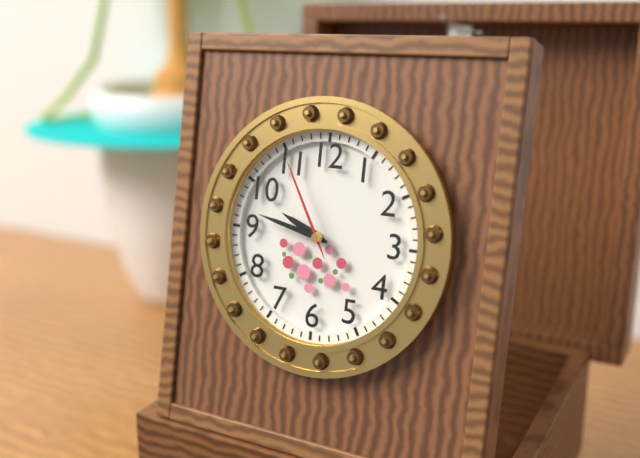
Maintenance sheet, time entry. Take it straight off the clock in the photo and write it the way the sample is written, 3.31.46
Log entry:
9.47.55
